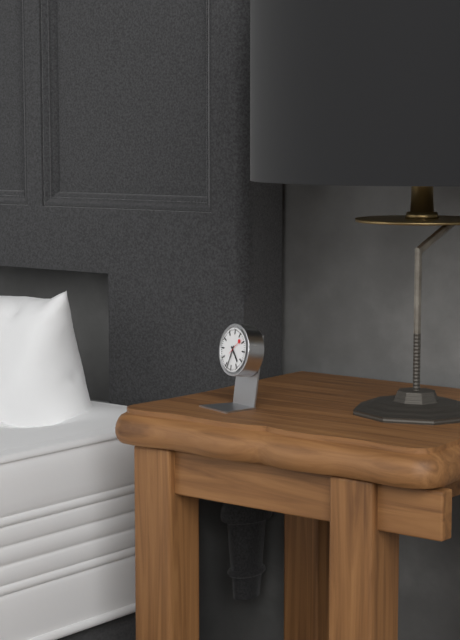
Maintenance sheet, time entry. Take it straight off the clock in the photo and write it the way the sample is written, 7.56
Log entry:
4.33
